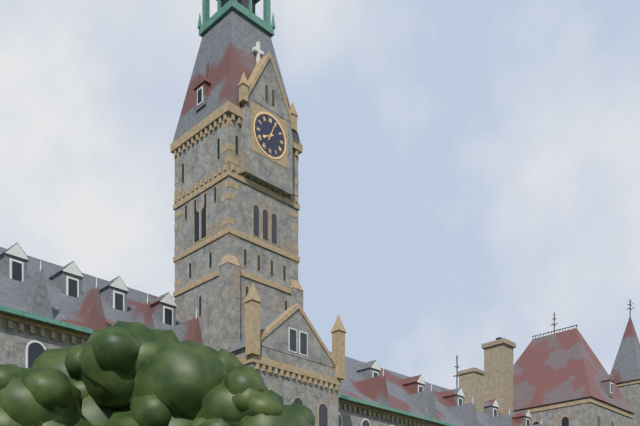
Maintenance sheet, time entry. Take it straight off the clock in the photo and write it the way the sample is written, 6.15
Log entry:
8.04
